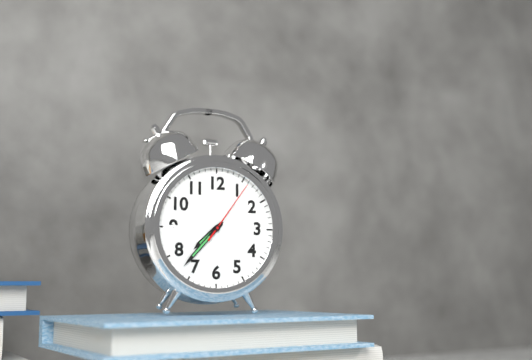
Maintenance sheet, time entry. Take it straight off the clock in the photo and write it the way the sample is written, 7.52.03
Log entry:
7.37.06
